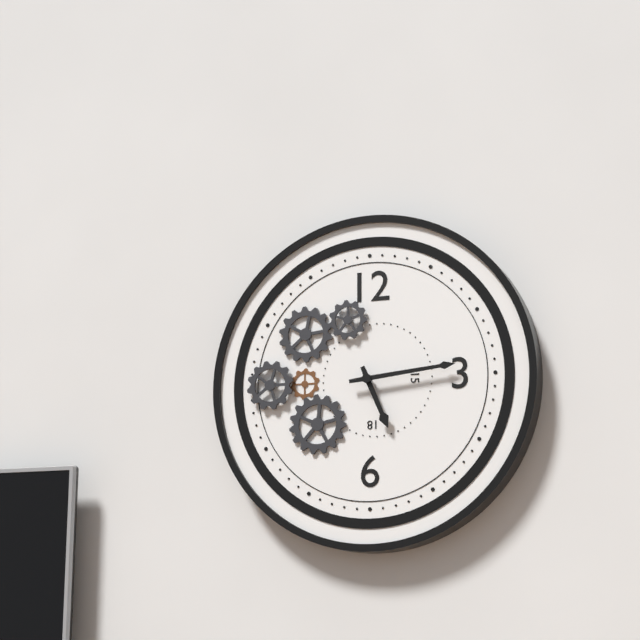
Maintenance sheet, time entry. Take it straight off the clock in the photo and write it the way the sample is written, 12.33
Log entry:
5.14
